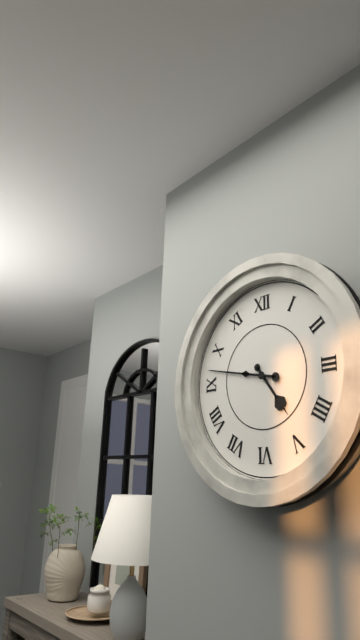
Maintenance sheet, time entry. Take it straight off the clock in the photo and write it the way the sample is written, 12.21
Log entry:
4.47
